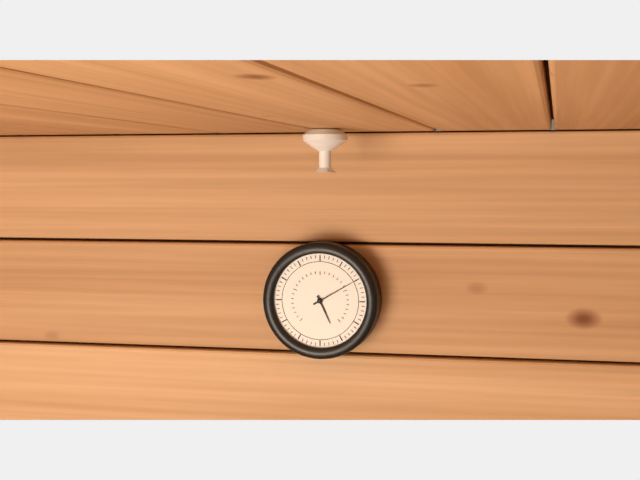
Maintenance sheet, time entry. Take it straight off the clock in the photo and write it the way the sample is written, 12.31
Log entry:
5.10
